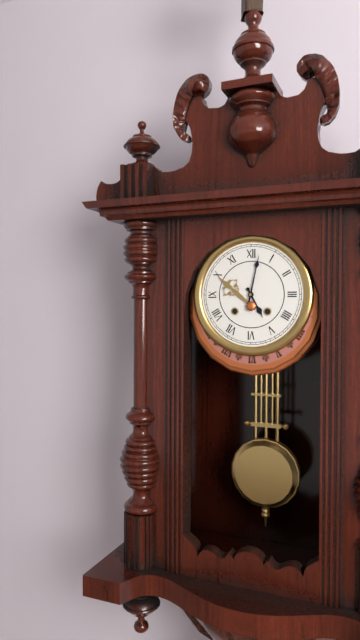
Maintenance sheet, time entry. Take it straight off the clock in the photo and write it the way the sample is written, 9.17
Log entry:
5.02
